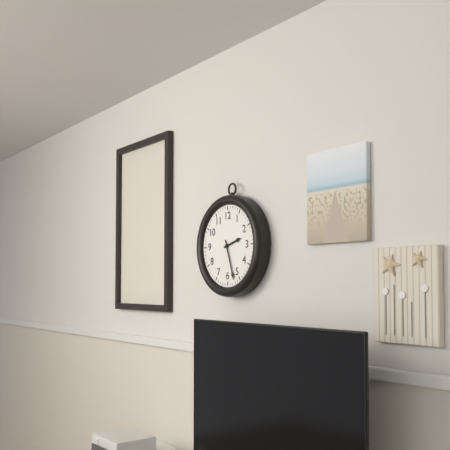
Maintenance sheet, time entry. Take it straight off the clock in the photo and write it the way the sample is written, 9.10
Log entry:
2.27
